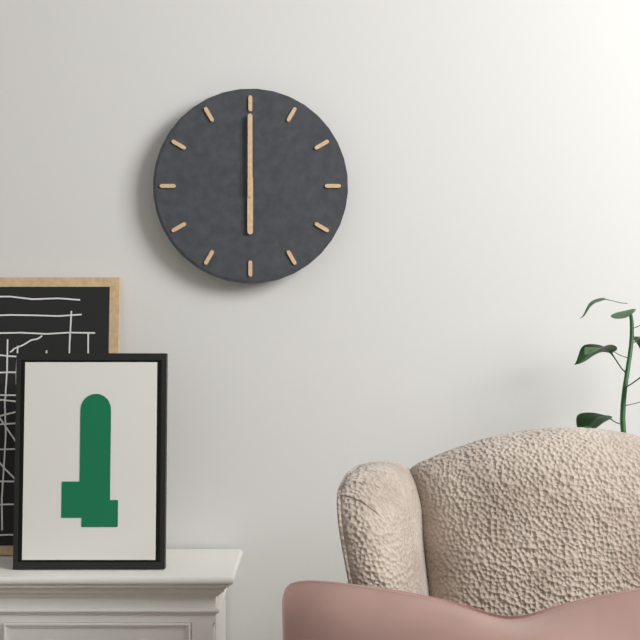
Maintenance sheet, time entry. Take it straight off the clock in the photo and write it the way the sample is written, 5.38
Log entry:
6.00
